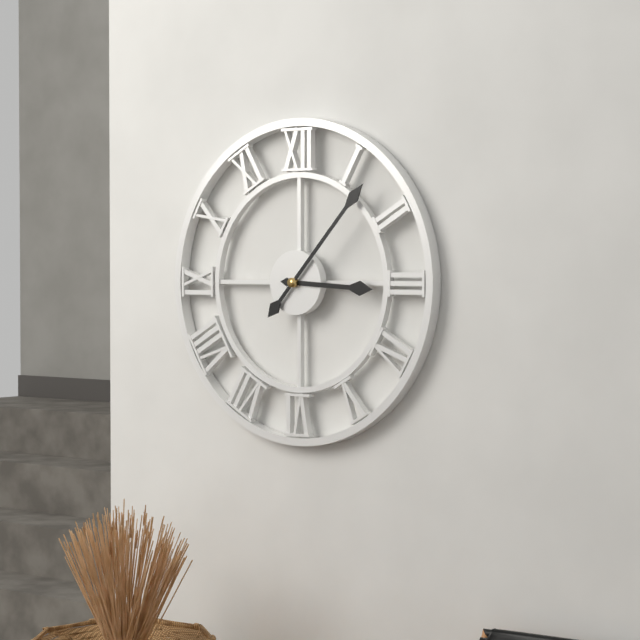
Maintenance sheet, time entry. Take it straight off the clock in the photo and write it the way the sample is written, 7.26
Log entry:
3.07
